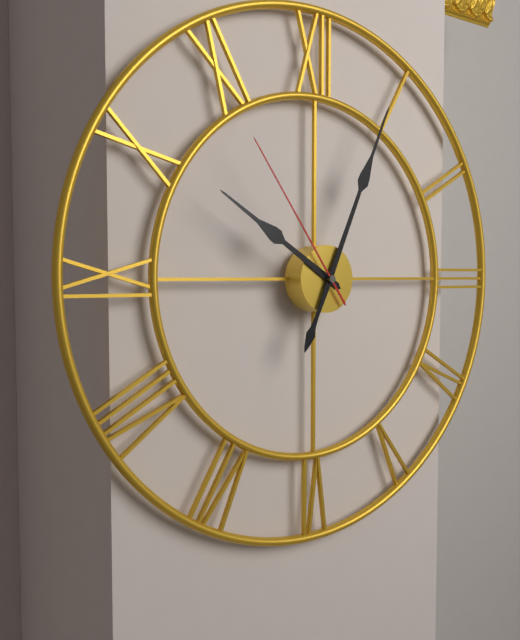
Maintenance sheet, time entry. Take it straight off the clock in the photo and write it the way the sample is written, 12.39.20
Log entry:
10.04.54
